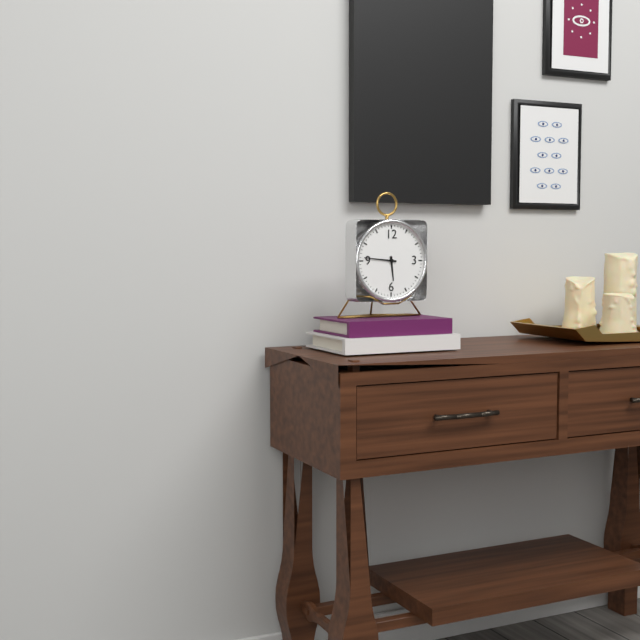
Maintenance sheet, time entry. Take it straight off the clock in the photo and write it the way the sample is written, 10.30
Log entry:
5.46
